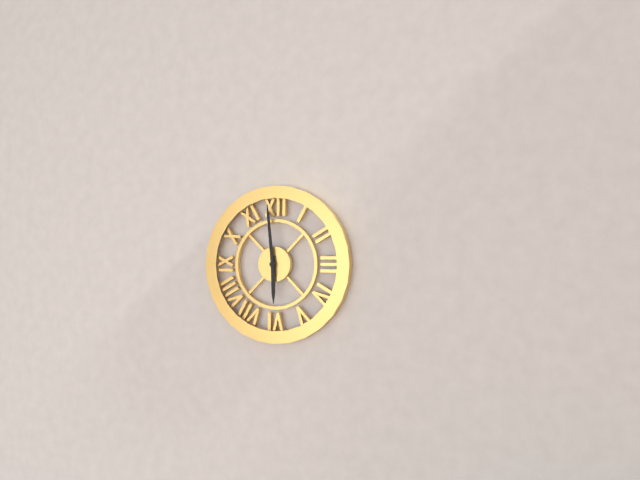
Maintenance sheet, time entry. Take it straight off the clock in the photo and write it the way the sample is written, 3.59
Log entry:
5.59
